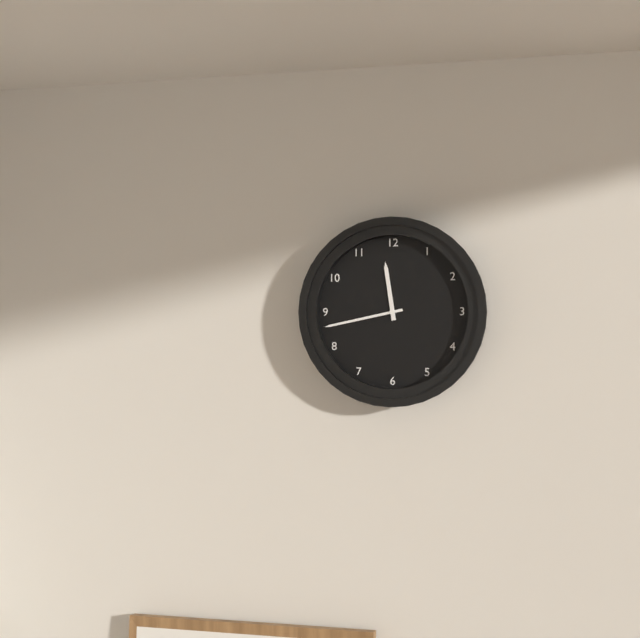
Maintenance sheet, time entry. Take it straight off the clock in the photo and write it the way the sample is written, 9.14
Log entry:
11.43
